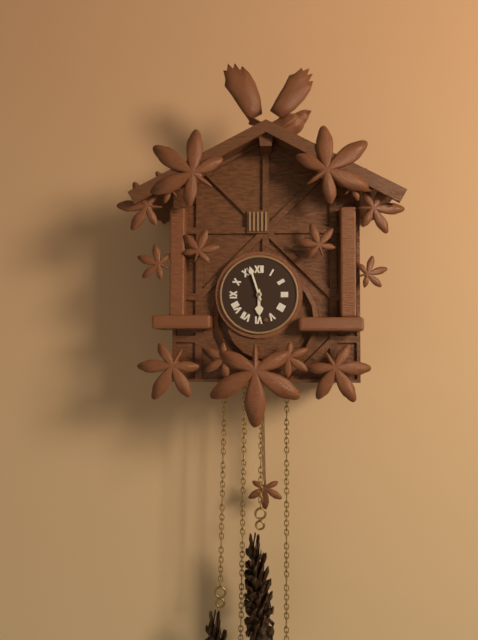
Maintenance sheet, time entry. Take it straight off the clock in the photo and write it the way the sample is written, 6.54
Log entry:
5.57
